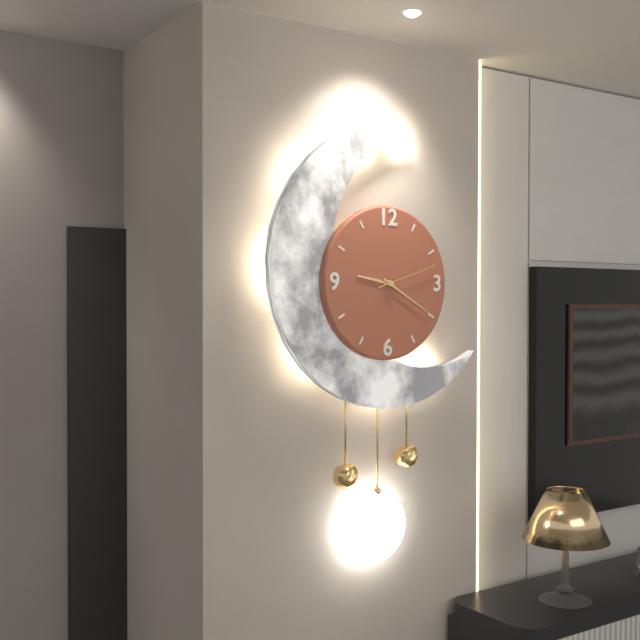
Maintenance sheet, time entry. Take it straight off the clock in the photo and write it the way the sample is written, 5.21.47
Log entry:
9.20.12
